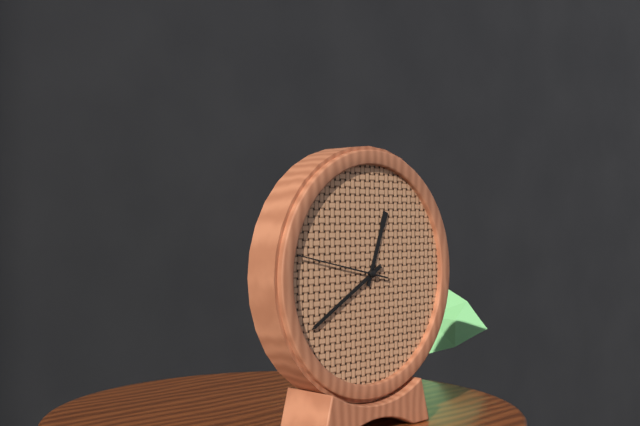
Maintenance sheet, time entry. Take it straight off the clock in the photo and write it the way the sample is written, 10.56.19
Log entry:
12.40.47
